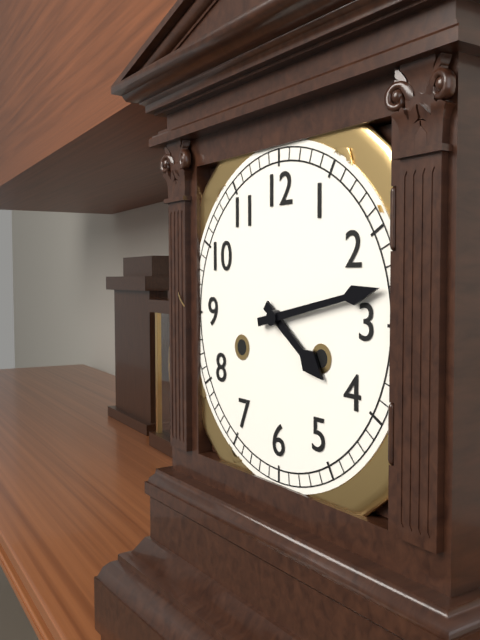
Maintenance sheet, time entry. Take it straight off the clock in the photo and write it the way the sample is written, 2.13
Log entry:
4.13
